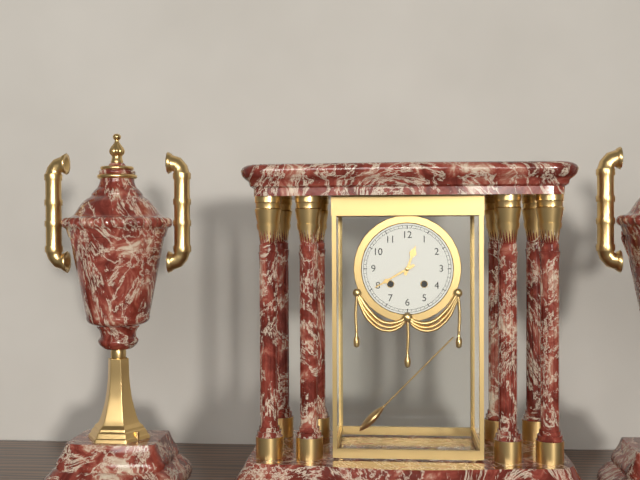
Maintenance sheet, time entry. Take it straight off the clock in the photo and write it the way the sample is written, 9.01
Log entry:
12.40
